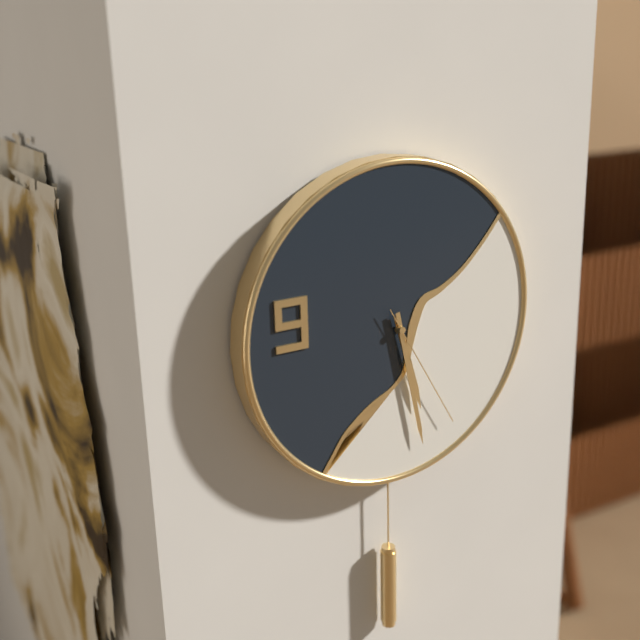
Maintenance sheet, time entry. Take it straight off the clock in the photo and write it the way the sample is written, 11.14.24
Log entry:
5.28.25
